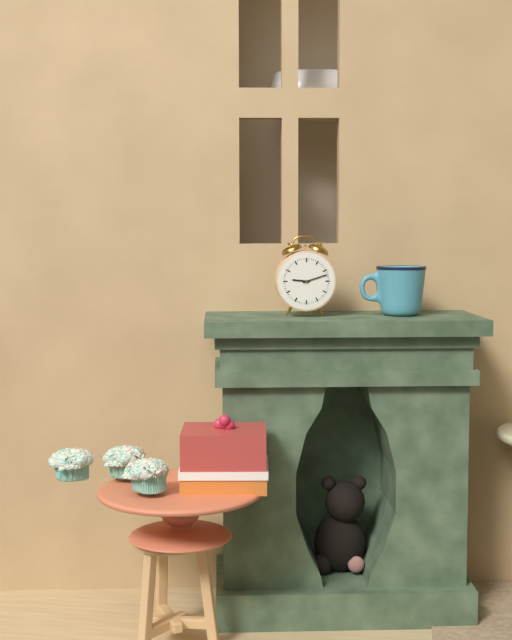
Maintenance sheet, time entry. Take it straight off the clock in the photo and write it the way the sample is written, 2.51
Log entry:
9.12
